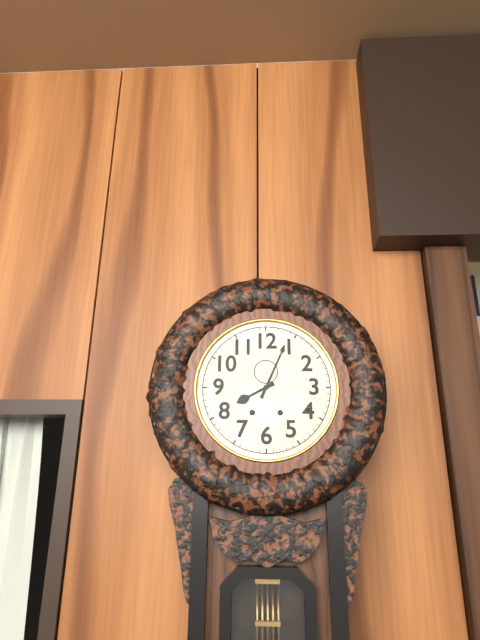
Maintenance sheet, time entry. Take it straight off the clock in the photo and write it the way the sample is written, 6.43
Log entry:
8.04
